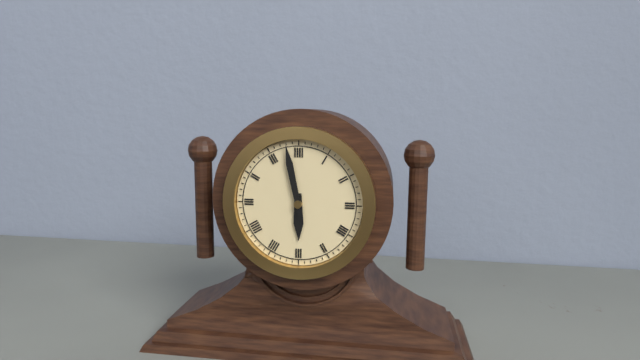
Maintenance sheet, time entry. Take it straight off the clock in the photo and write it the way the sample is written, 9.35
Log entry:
5.58
